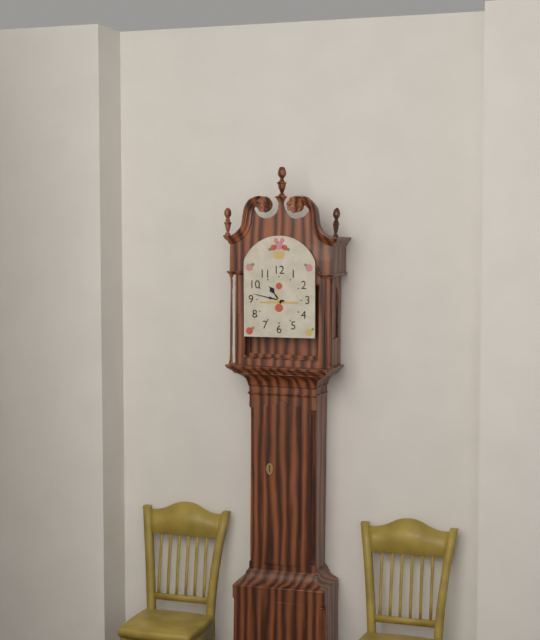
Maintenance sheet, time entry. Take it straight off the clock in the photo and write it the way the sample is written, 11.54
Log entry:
10.47
